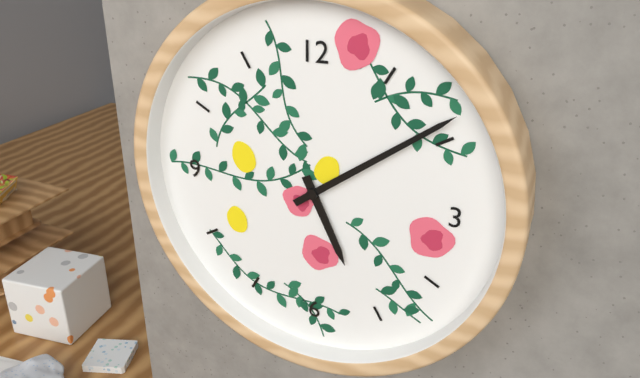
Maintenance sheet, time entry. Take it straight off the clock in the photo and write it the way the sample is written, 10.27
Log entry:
5.09
